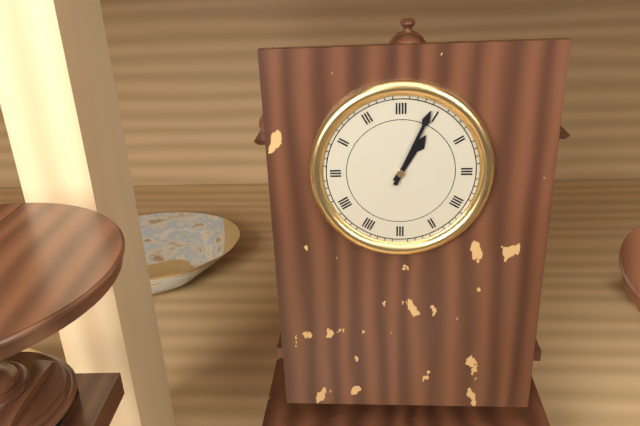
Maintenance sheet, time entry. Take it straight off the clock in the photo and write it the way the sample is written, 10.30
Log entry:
1.04
